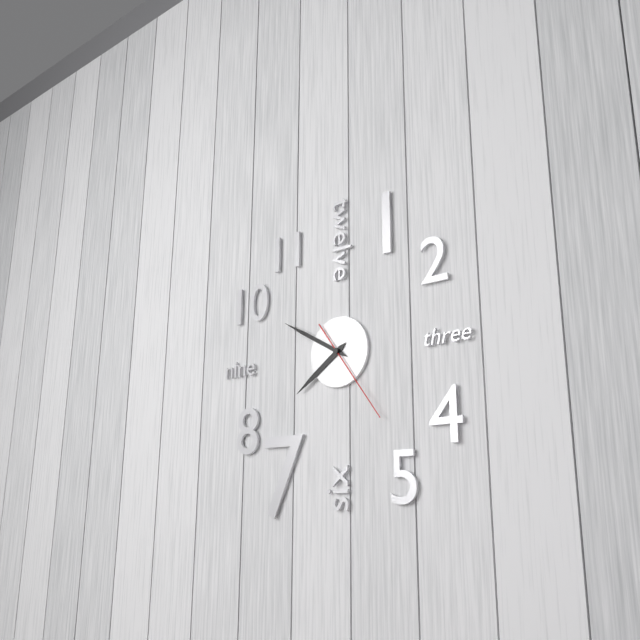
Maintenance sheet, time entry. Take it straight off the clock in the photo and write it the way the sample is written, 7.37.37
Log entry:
7.50.24
